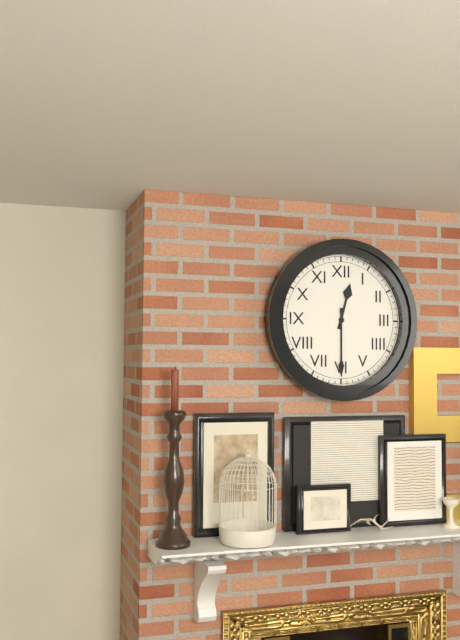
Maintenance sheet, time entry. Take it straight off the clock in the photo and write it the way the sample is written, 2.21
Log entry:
12.30
